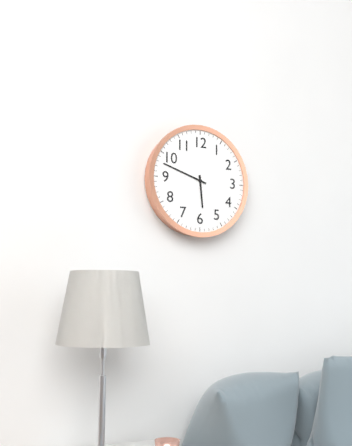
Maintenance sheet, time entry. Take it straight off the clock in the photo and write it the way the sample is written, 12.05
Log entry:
5.48
